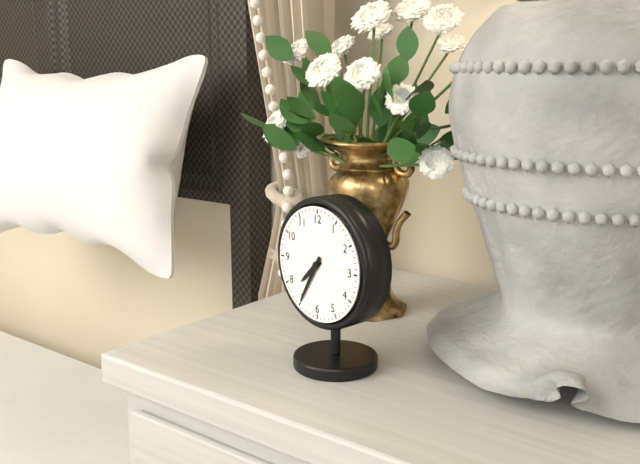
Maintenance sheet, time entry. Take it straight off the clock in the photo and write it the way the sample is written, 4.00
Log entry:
7.35
